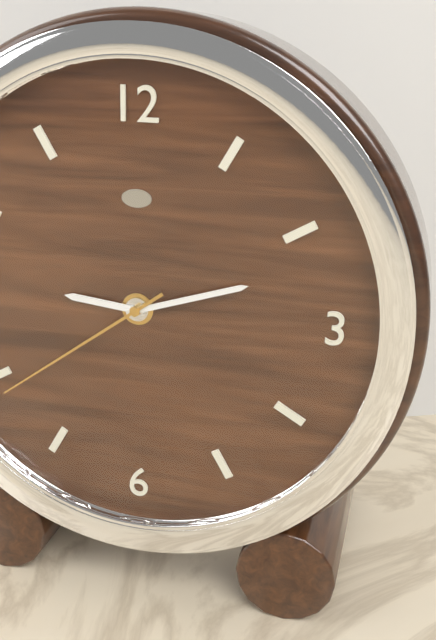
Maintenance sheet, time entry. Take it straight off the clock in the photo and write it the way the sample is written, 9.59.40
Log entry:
9.12.39
